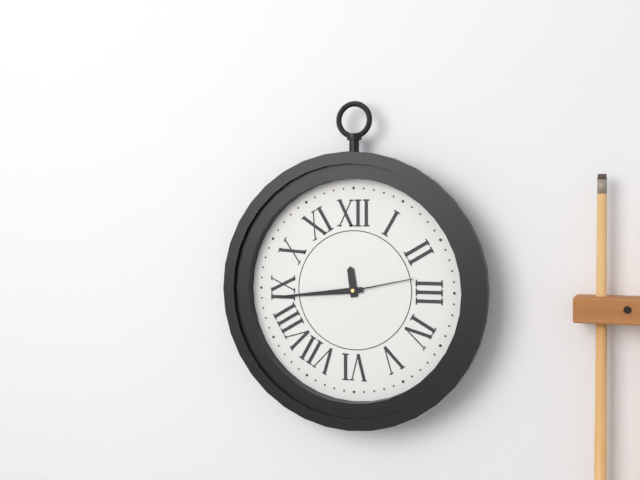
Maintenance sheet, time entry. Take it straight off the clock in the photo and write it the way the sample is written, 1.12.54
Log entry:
11.44.13
